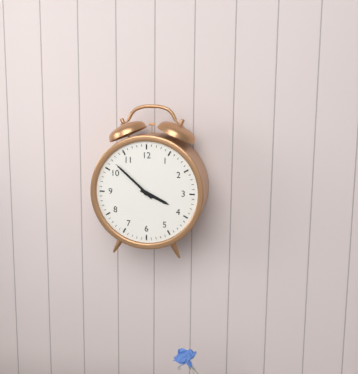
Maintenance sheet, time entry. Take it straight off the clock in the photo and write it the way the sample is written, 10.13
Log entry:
3.52
